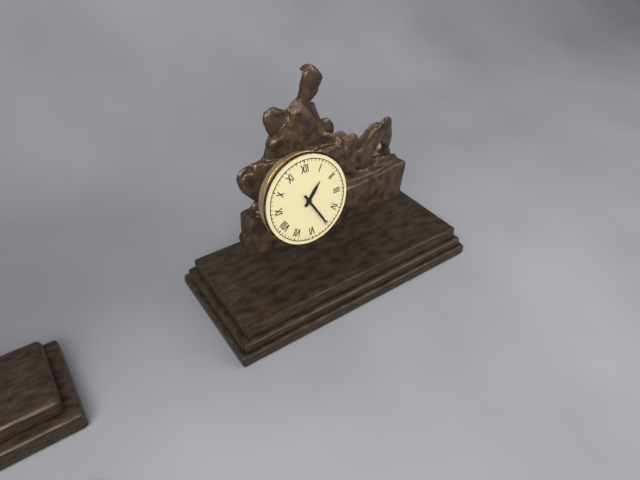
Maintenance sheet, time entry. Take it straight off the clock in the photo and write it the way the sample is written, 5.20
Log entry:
1.25
